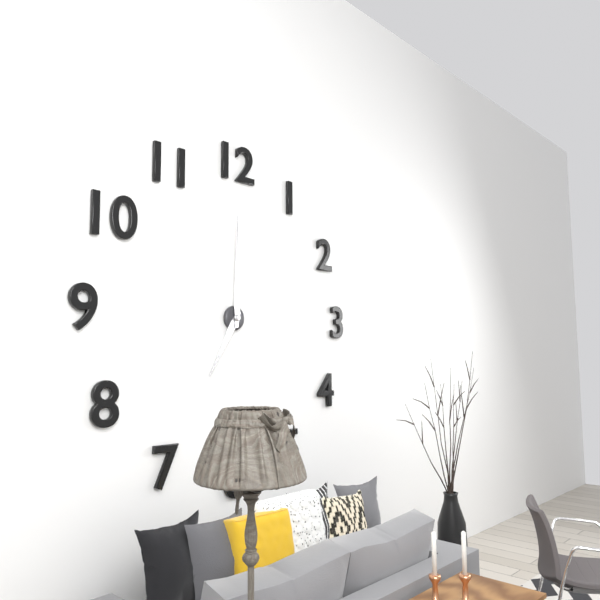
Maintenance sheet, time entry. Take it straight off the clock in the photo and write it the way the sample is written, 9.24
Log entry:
7.00
